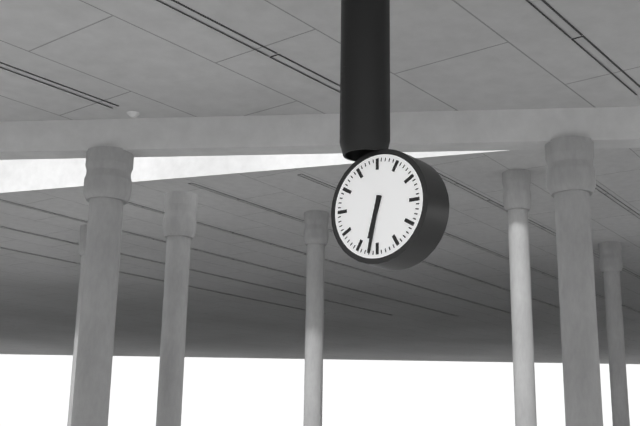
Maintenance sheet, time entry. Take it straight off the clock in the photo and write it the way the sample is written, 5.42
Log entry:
6.32
